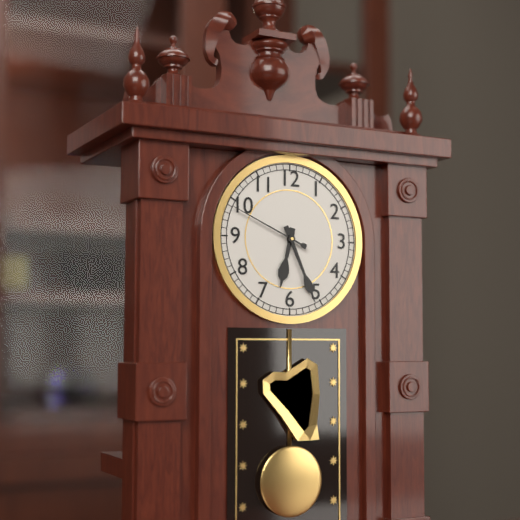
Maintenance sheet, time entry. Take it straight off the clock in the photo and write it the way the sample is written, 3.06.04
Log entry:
6.26.49
